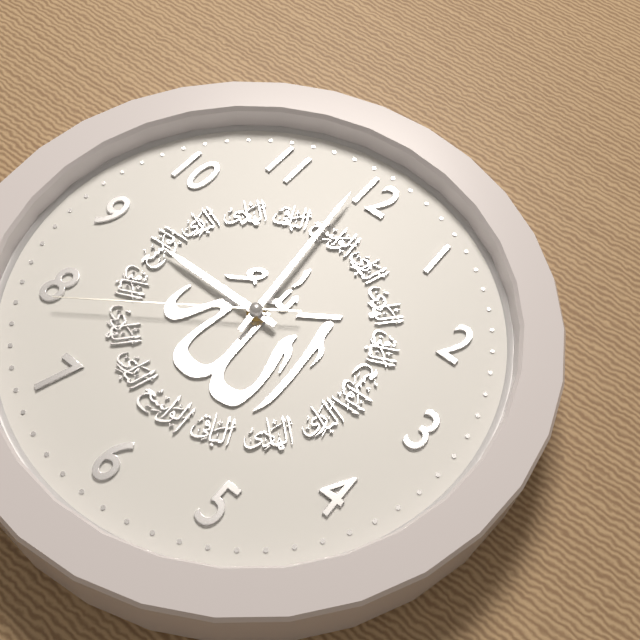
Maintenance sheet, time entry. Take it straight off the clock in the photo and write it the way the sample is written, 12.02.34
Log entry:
8.59.39
